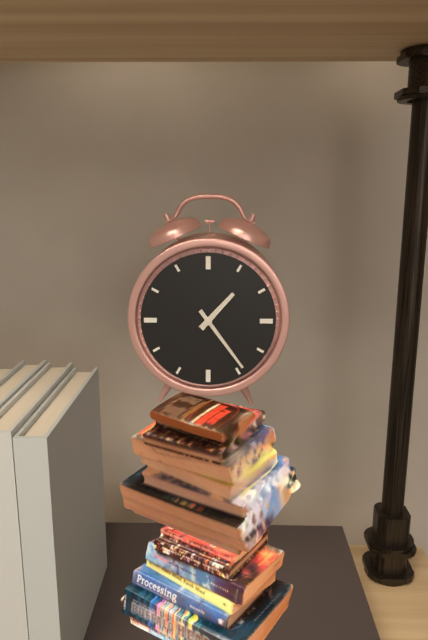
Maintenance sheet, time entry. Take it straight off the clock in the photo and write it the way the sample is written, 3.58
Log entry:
1.24
